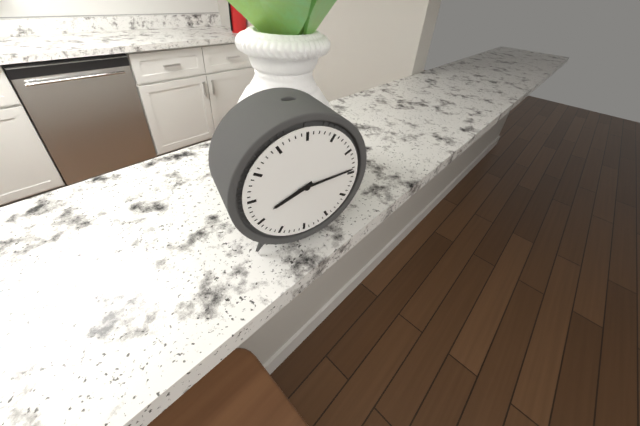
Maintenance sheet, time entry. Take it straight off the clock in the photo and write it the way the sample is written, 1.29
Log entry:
8.14
